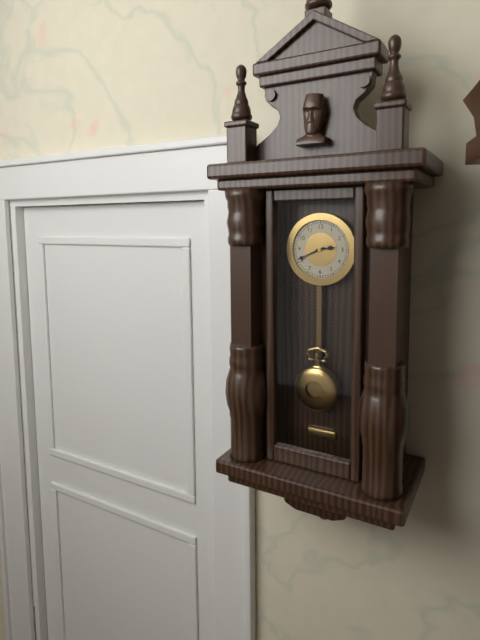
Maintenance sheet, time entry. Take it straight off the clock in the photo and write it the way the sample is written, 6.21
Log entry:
2.41
